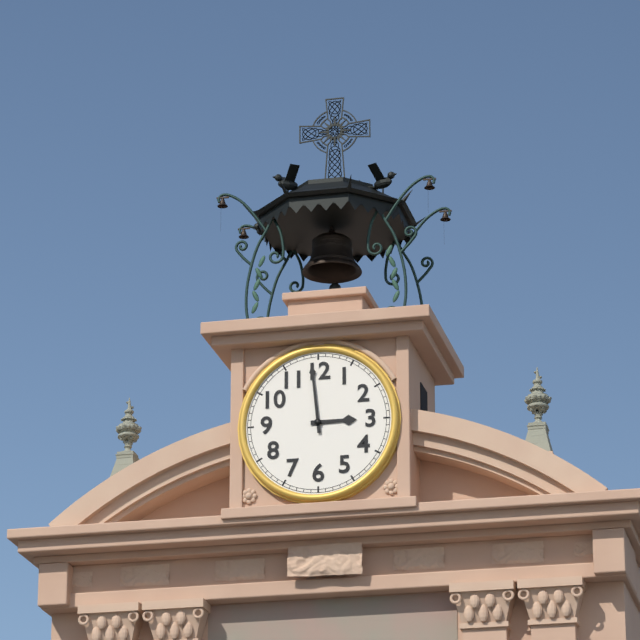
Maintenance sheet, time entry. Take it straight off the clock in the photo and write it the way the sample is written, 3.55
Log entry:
2.59
